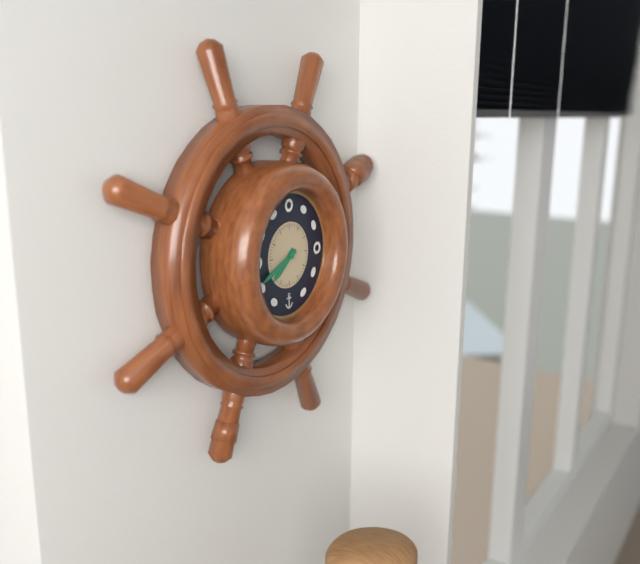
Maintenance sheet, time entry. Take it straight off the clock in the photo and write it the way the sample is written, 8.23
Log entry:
7.41
